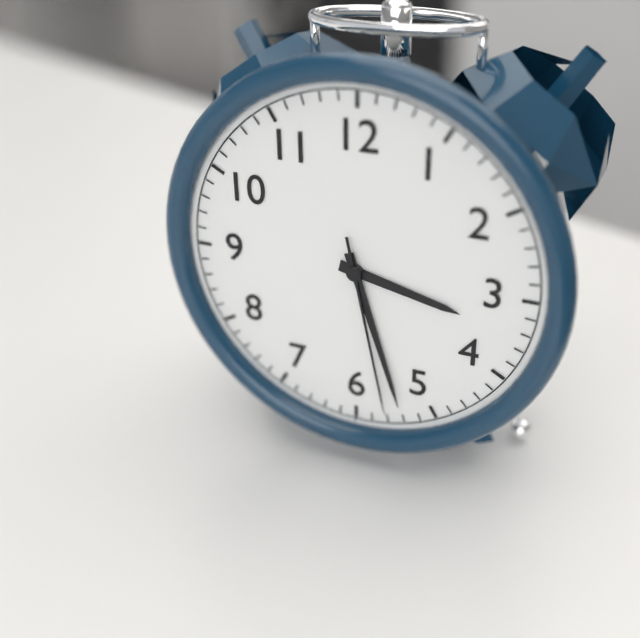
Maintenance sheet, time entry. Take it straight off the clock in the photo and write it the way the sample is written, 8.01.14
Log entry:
3.27.28
